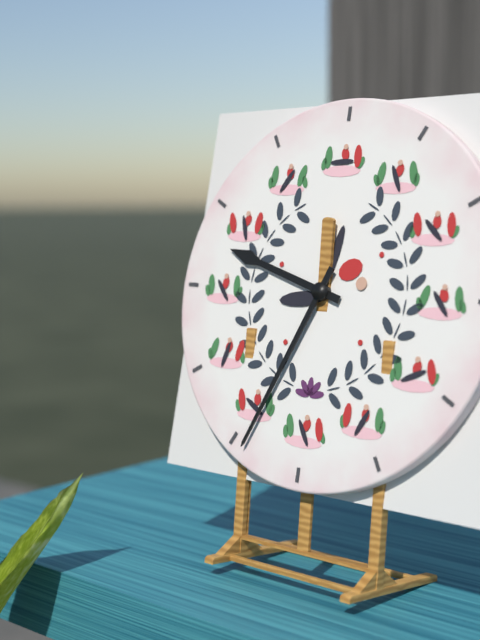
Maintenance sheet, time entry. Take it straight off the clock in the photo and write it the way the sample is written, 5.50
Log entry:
9.34
